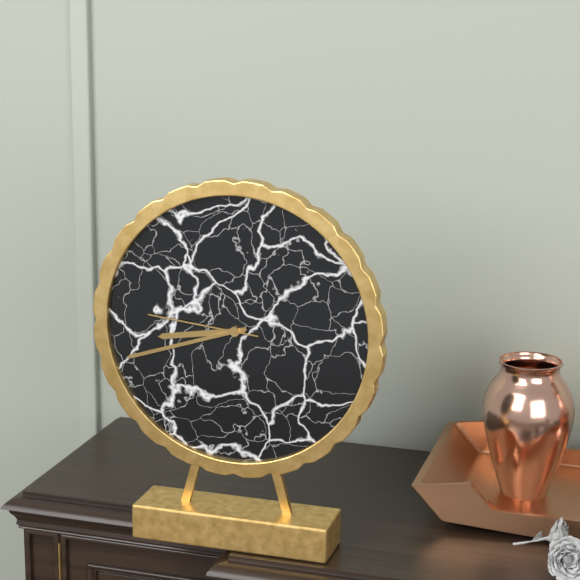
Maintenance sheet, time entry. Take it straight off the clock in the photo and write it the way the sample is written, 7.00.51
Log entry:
8.42.46
